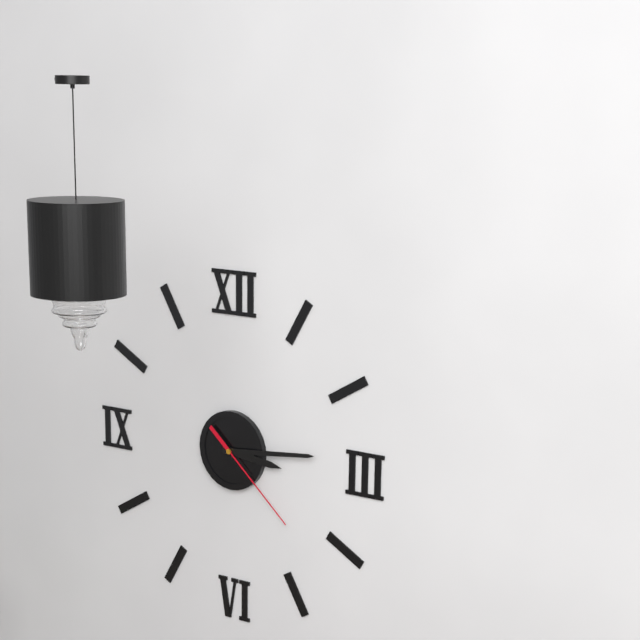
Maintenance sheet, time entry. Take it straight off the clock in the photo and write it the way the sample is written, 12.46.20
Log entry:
3.14.22
